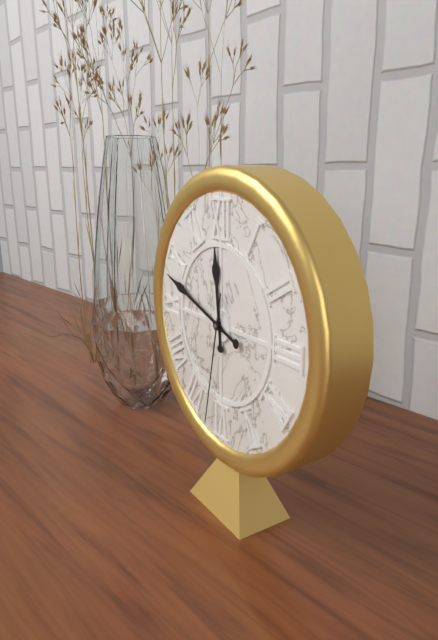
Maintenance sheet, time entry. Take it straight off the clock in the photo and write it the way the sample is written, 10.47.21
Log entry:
11.48.32
